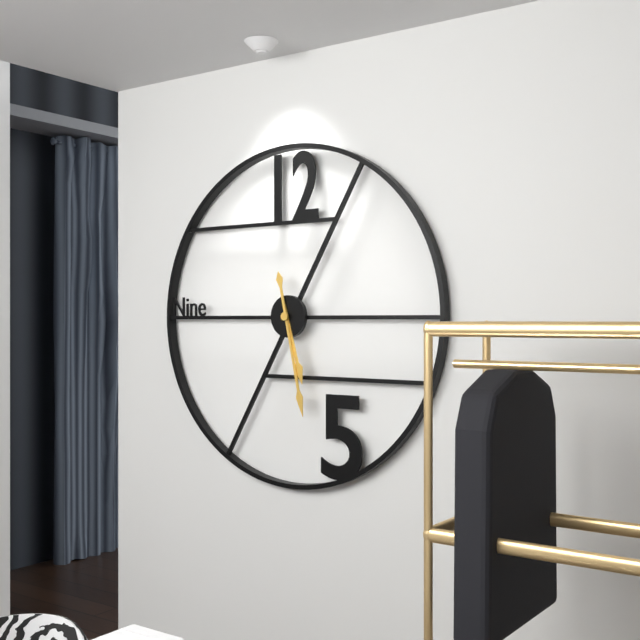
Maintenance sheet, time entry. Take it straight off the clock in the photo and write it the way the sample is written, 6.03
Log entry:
5.28
